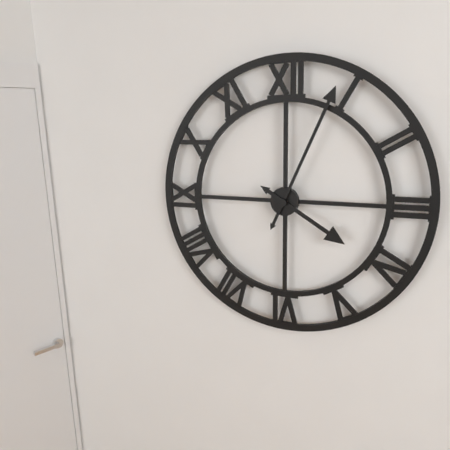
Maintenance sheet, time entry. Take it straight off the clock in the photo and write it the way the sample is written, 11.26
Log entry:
4.04
